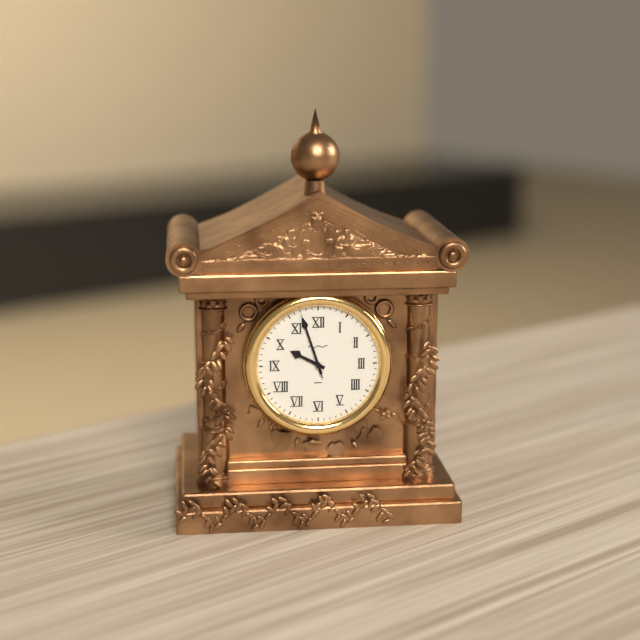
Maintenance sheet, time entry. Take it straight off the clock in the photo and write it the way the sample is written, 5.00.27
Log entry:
9.57.57
